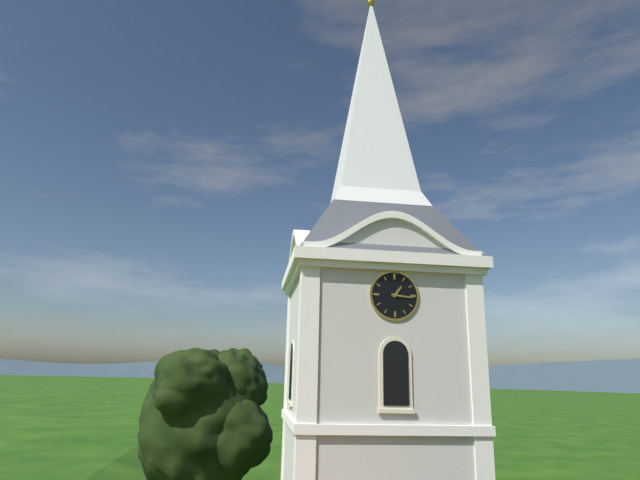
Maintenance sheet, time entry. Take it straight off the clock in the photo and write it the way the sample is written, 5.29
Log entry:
1.16
